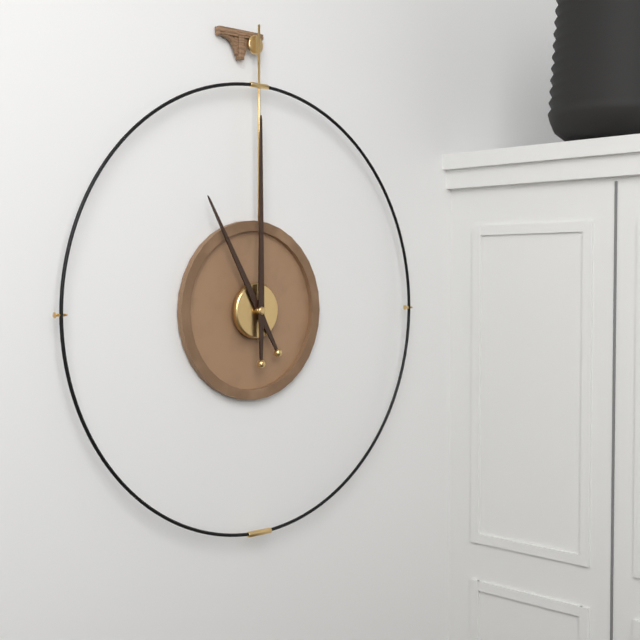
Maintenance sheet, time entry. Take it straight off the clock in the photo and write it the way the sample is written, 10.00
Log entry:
11.00
